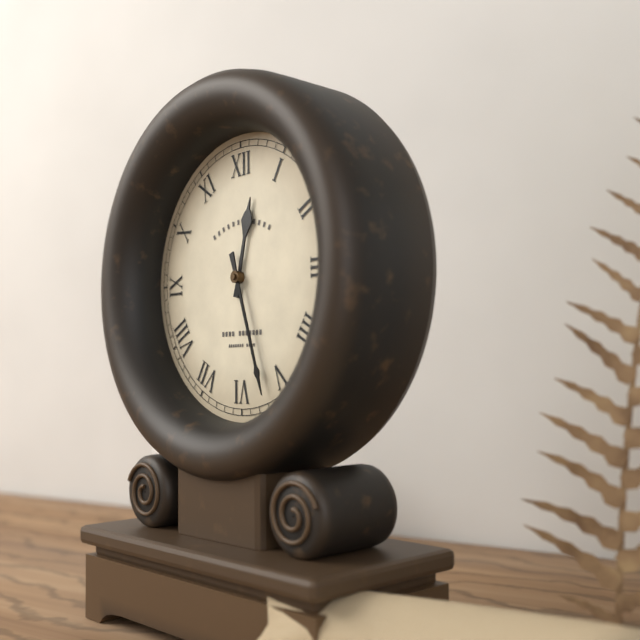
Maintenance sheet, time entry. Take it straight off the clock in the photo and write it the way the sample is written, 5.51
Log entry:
12.27
